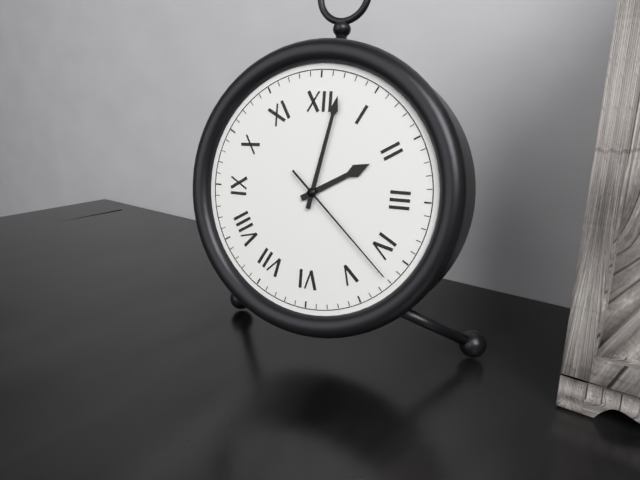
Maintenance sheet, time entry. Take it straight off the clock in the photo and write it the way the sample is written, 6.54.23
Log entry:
2.02.22
